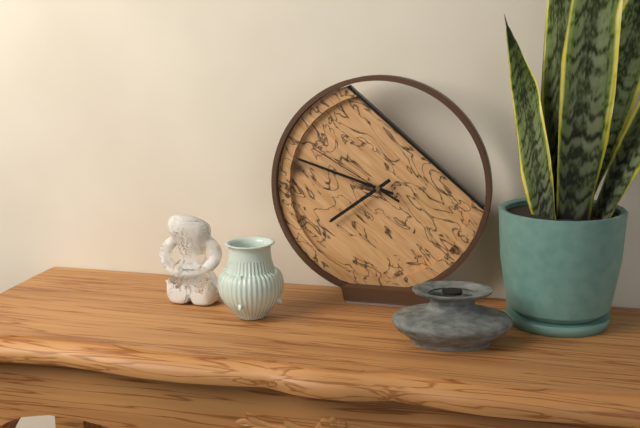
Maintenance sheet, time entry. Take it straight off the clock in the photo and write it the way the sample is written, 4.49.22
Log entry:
7.48.50
